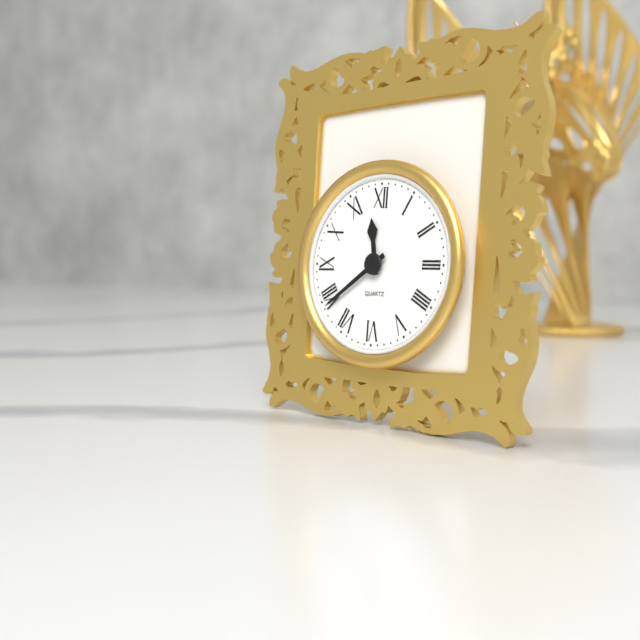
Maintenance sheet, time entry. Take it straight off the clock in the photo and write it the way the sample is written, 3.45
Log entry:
11.39
